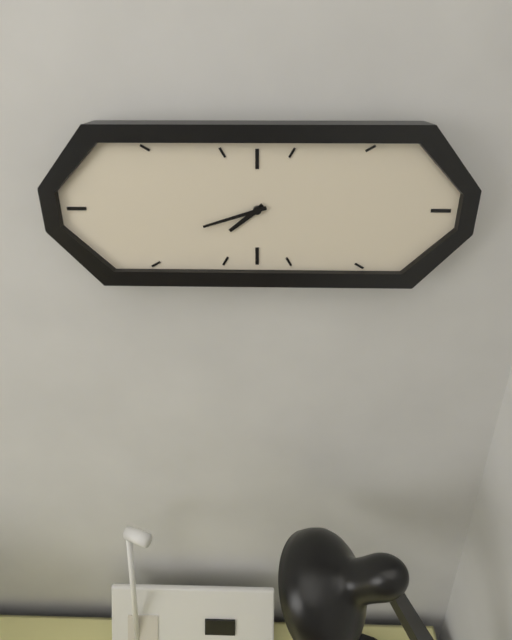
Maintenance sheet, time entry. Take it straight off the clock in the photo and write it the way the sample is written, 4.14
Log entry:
7.42
